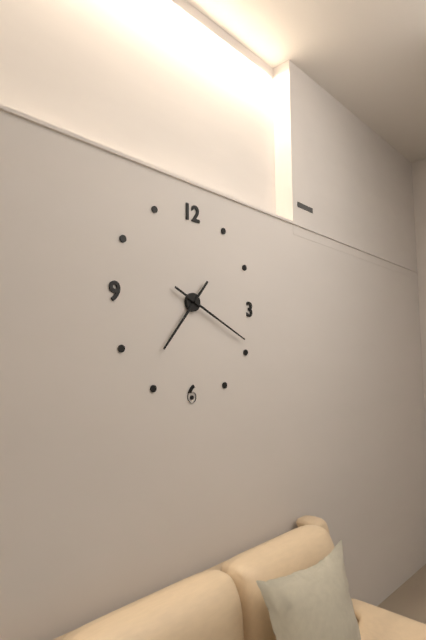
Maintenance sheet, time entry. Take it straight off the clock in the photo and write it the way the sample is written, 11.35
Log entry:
7.19
